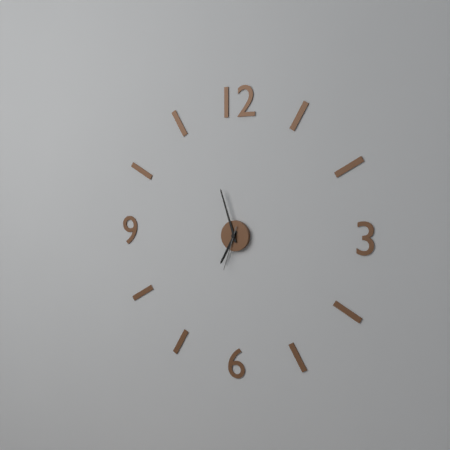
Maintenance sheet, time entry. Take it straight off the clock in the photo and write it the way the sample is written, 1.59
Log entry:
6.57
